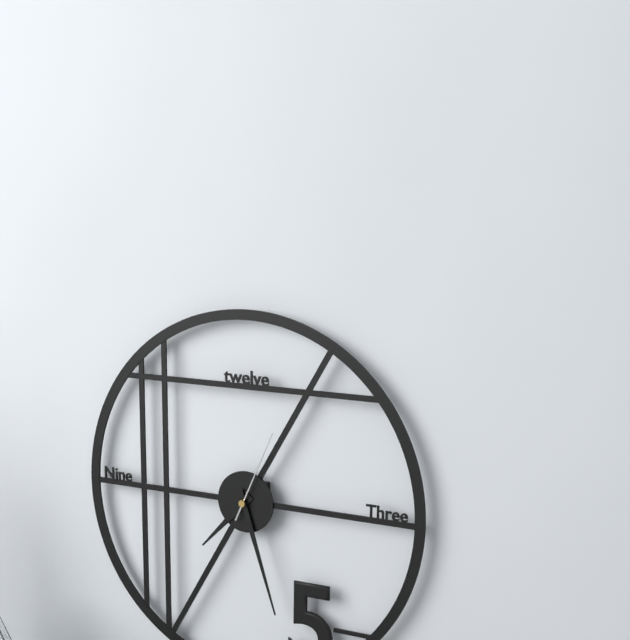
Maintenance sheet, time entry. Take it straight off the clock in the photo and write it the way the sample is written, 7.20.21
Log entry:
7.27.04
